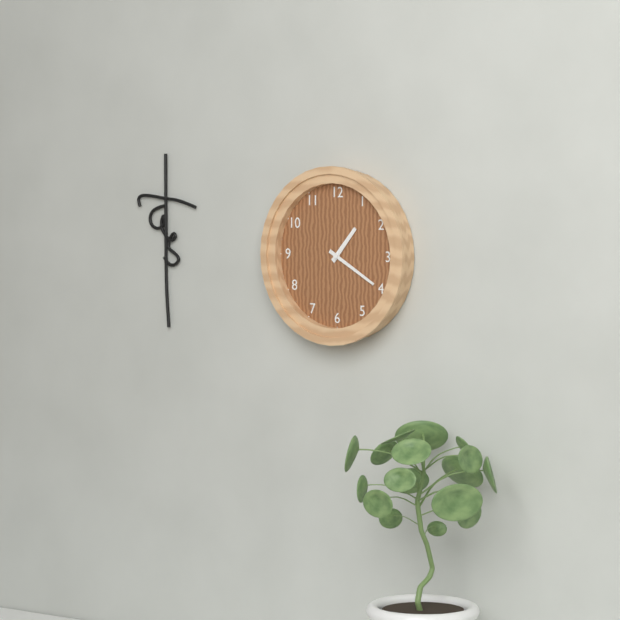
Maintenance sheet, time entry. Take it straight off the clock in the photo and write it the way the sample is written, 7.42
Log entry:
1.20
